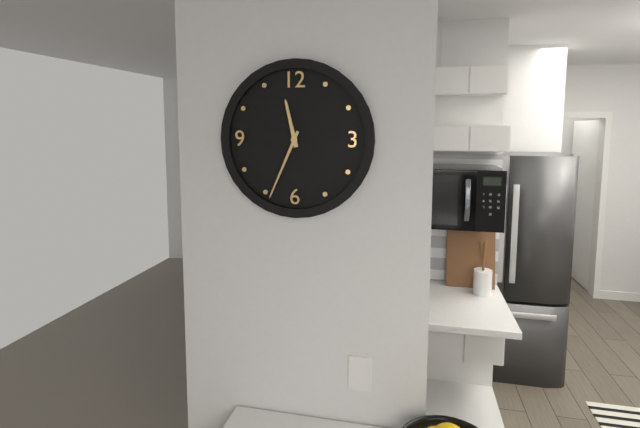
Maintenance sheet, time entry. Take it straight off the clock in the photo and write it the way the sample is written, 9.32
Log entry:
11.34
